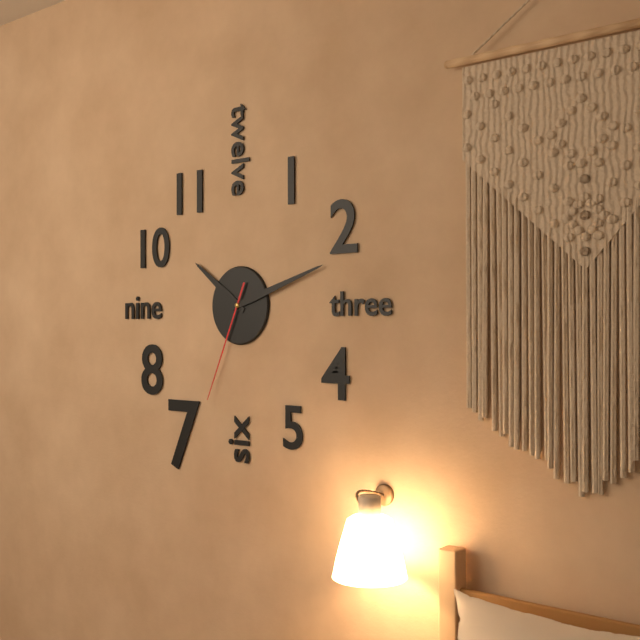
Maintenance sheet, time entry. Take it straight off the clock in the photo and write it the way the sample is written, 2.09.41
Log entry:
10.12.34
